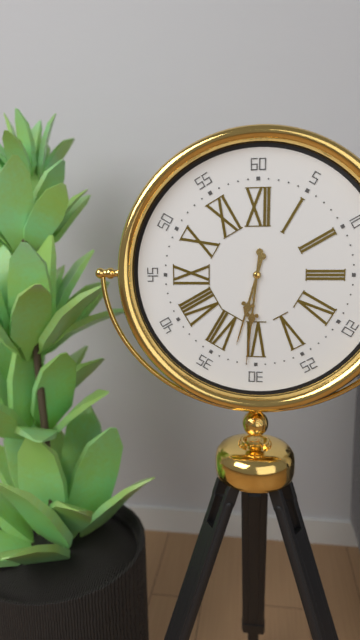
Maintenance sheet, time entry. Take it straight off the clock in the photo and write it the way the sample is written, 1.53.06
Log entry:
6.31.31
